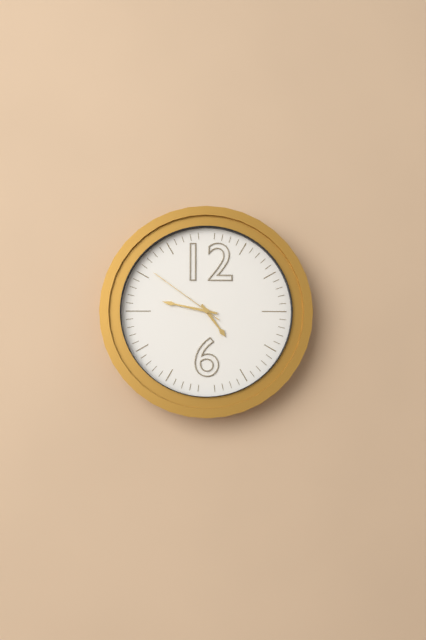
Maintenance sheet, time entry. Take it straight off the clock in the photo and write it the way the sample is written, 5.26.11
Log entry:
4.47.51
